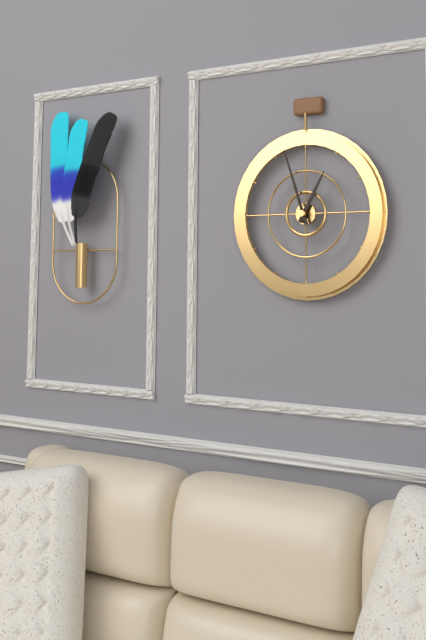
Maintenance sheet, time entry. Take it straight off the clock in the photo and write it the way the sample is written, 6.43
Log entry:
12.57
